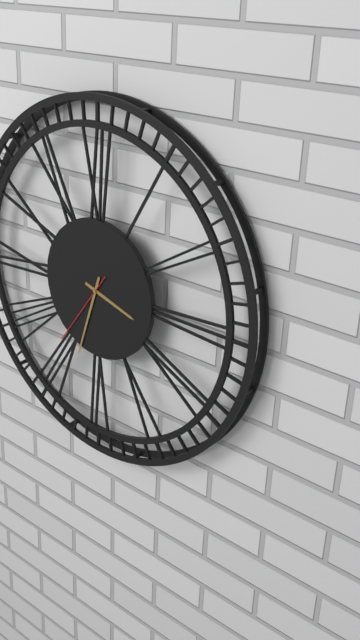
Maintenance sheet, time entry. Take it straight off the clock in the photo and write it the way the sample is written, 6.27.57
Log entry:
3.33.36
